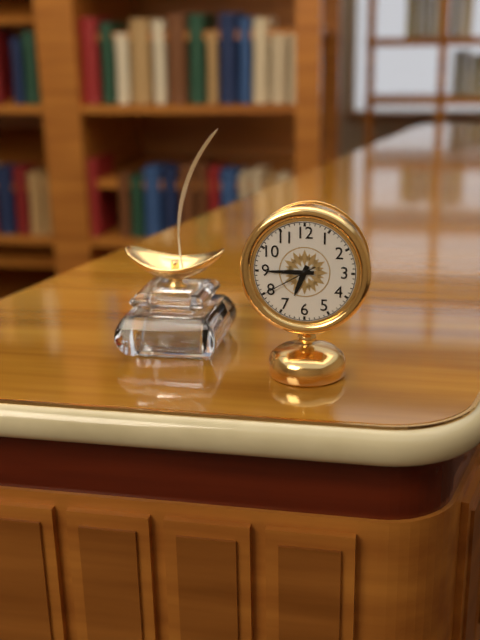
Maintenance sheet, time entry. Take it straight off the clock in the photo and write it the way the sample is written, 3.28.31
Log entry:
6.45.40
